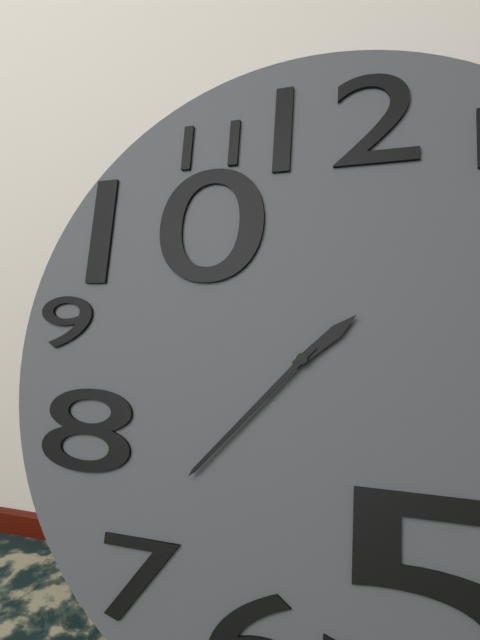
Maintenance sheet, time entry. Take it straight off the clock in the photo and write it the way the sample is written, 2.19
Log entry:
1.37
